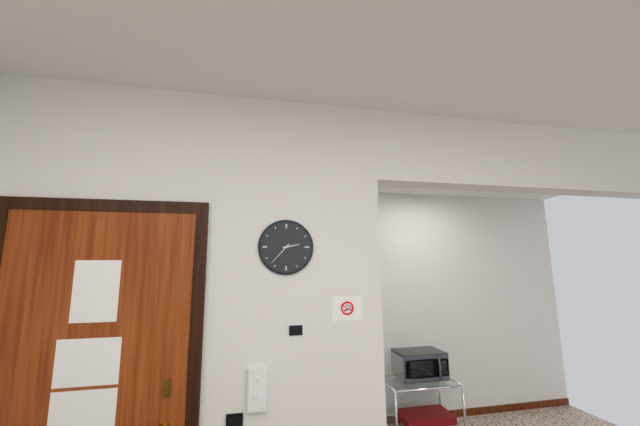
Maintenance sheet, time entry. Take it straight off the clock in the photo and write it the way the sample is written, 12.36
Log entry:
2.37
